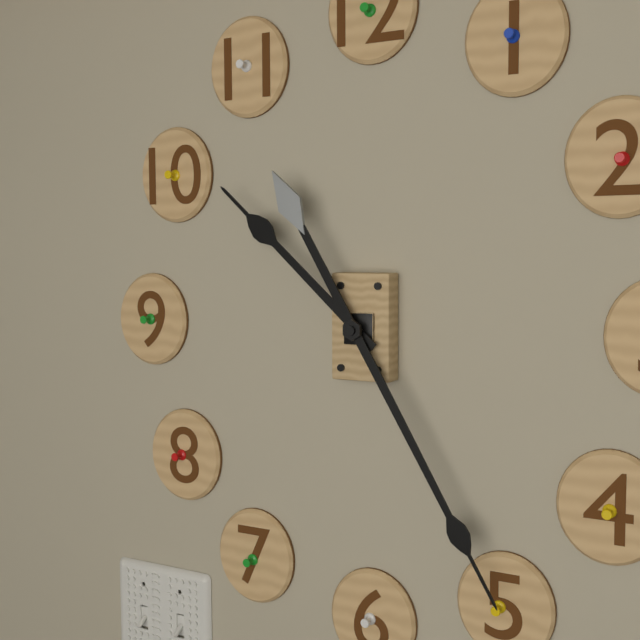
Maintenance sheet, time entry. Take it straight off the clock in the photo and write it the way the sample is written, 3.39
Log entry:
10.25
